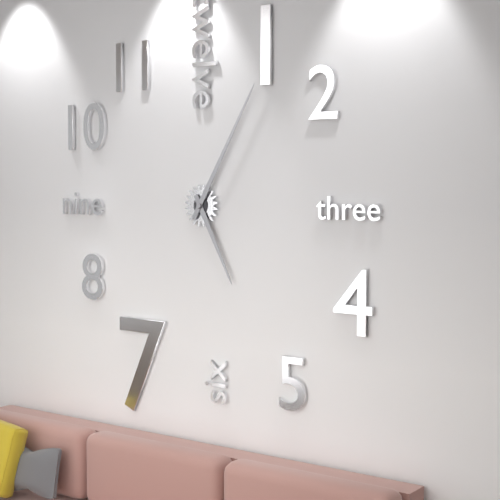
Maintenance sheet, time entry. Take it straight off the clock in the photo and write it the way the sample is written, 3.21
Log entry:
5.05
